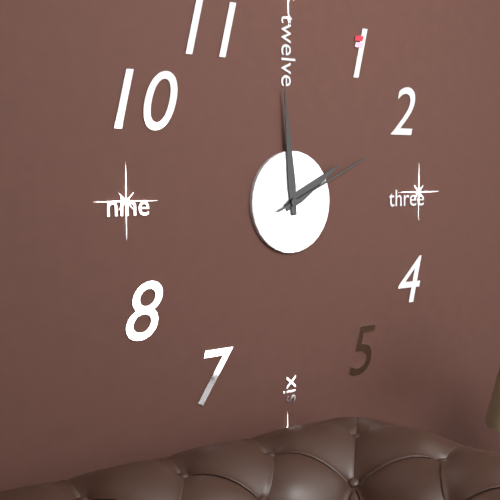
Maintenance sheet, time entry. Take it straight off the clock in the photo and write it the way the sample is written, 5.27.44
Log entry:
1.59.11
